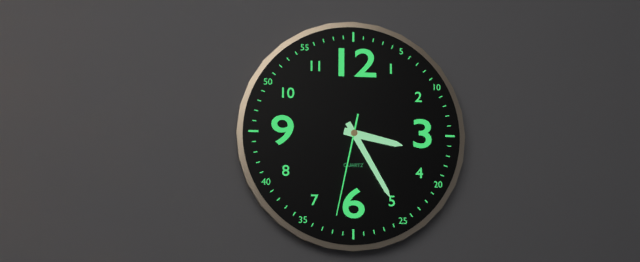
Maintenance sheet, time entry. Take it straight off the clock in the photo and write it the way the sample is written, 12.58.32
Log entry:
3.25.32
